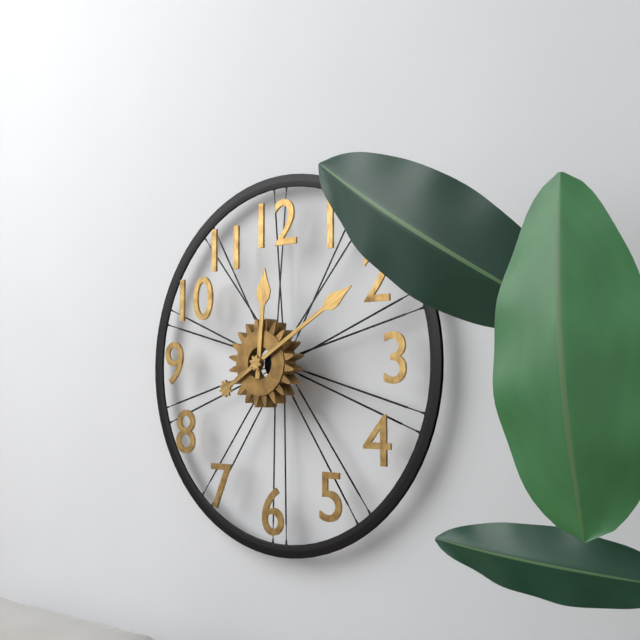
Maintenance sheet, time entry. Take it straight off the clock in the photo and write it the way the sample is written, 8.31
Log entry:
12.10
